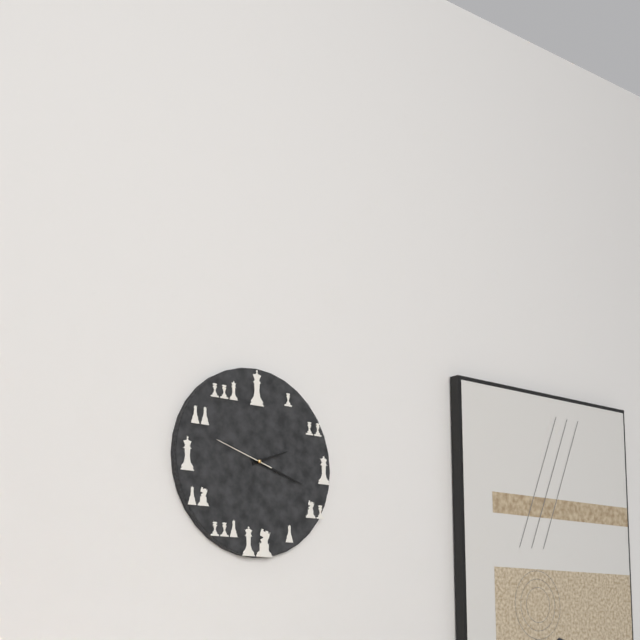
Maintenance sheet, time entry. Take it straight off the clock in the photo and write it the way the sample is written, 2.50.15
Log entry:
2.18.48
